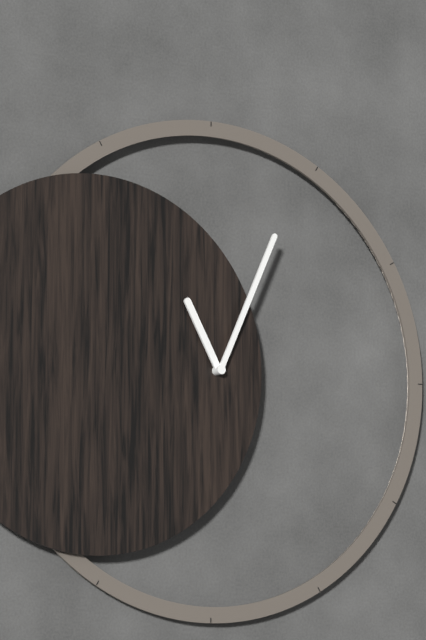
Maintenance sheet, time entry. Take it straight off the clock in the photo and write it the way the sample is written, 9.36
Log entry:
11.04
